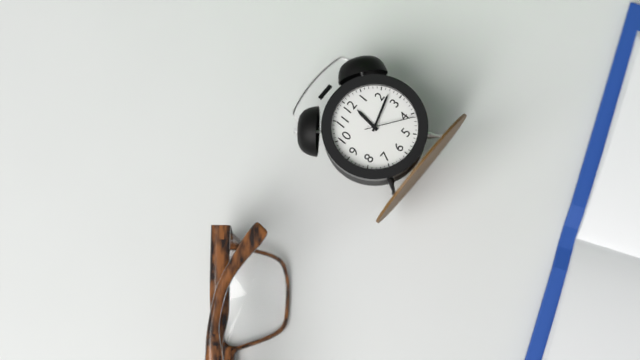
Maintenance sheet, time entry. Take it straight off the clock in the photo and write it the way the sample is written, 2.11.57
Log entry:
12.12.21
